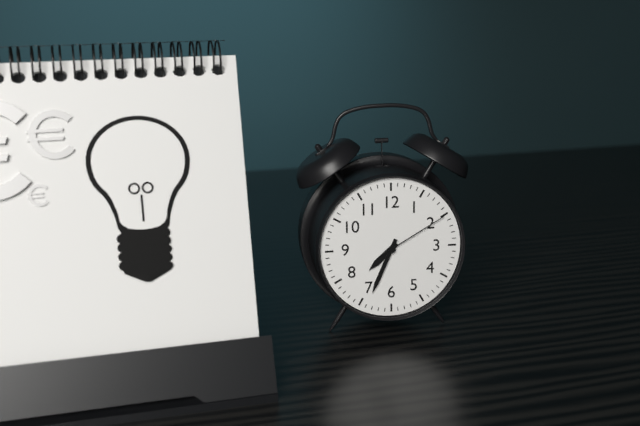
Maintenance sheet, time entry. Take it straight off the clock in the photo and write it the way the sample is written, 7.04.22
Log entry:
7.34.10
